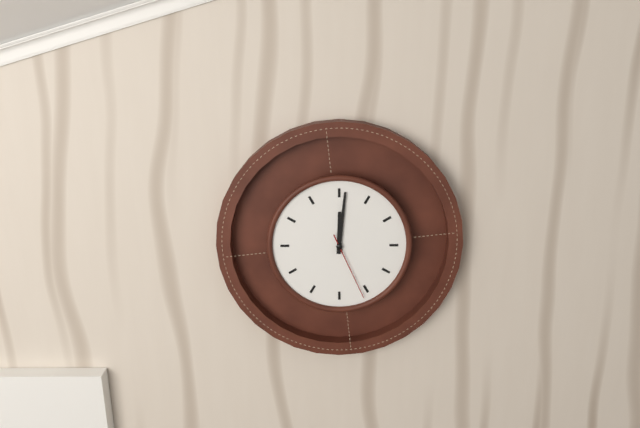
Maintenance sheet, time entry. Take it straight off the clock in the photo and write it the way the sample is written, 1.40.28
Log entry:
12.01.26
